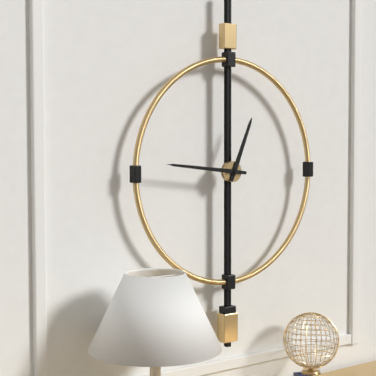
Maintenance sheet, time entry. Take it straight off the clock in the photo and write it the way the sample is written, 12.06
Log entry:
12.46
